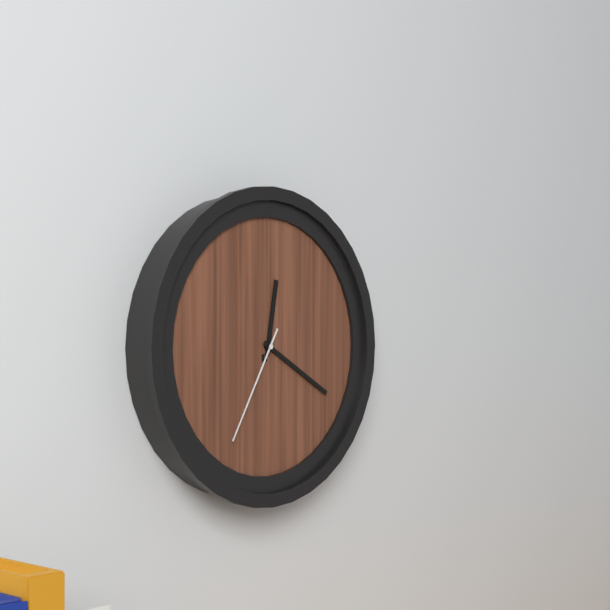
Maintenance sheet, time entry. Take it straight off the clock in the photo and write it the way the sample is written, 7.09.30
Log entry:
12.20.35
